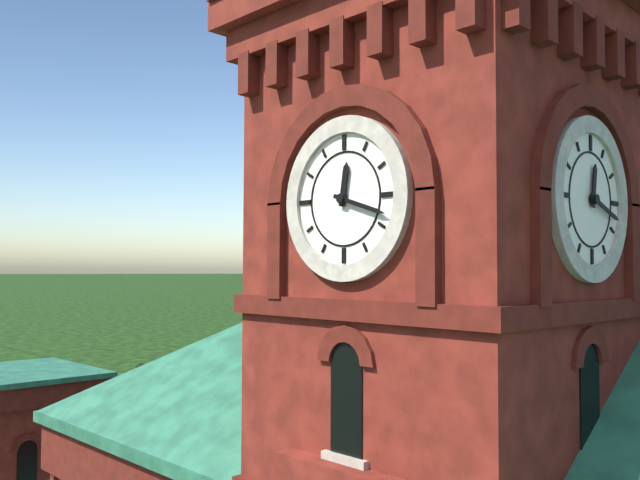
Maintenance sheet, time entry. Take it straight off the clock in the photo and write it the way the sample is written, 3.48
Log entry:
12.18
